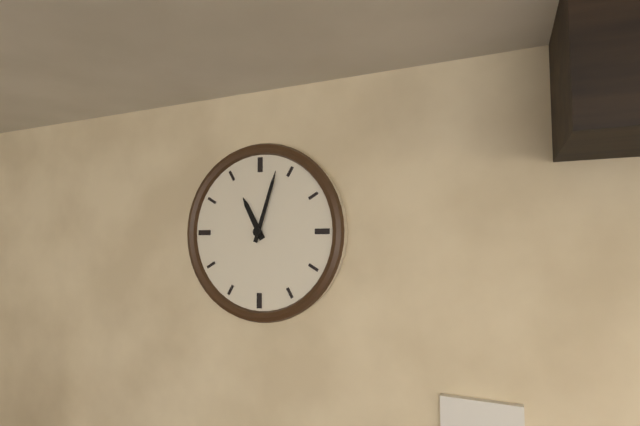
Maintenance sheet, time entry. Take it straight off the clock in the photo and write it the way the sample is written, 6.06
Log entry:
11.03
